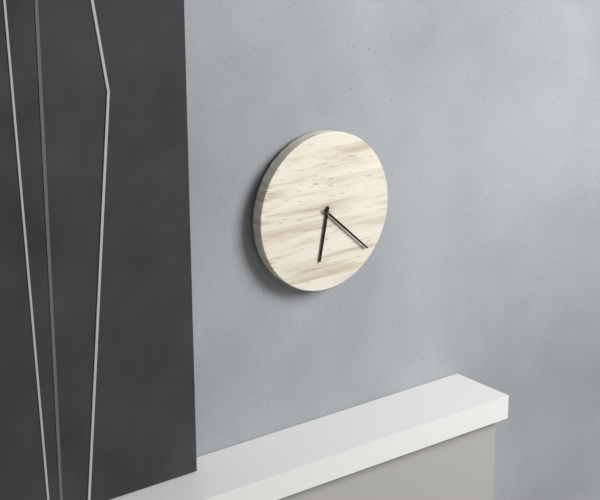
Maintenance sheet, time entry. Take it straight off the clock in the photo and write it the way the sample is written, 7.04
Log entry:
6.22
